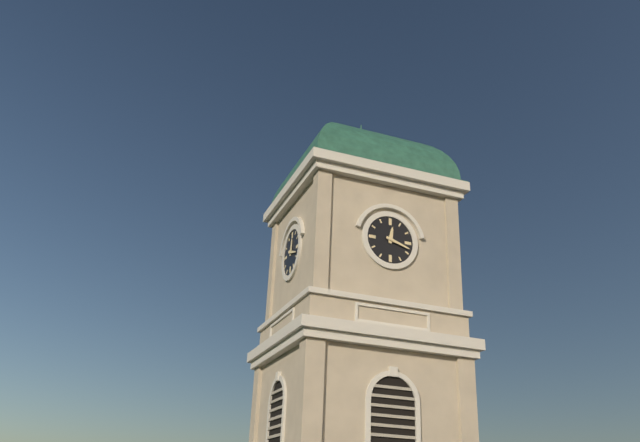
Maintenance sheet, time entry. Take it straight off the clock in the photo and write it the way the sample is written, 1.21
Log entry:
12.18
